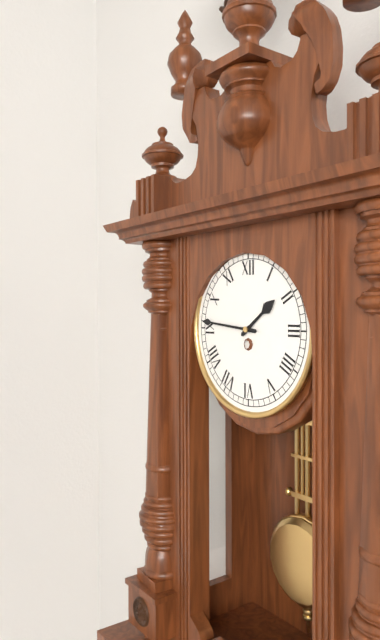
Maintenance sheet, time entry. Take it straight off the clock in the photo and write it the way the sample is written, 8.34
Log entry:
1.46
